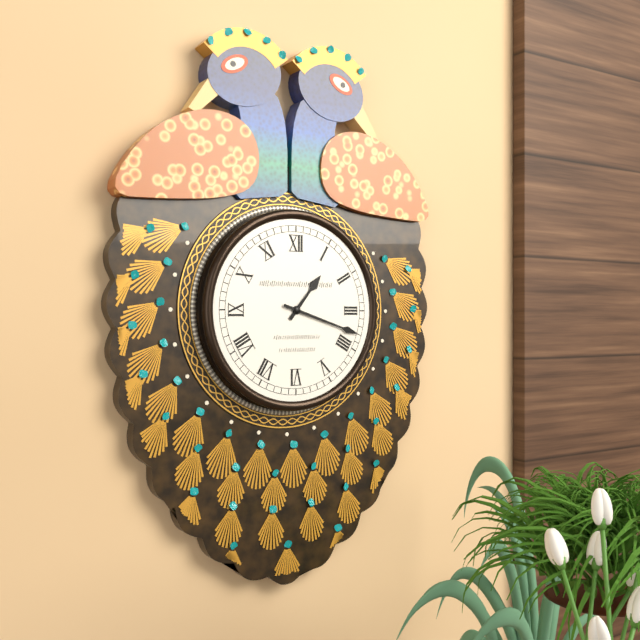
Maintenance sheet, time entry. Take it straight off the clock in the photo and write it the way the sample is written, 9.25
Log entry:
1.18
